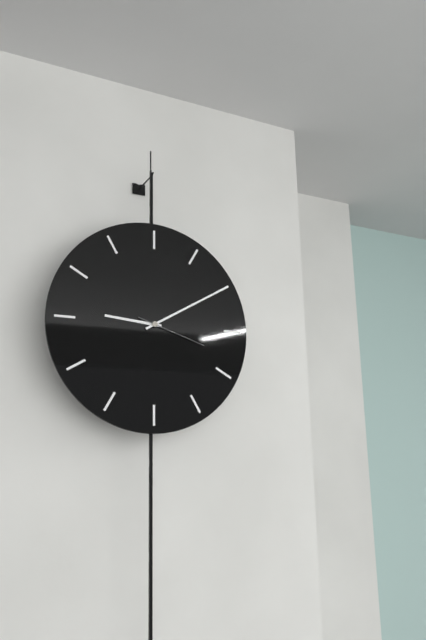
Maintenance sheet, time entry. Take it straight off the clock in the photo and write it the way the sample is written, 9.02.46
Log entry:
9.10.18
